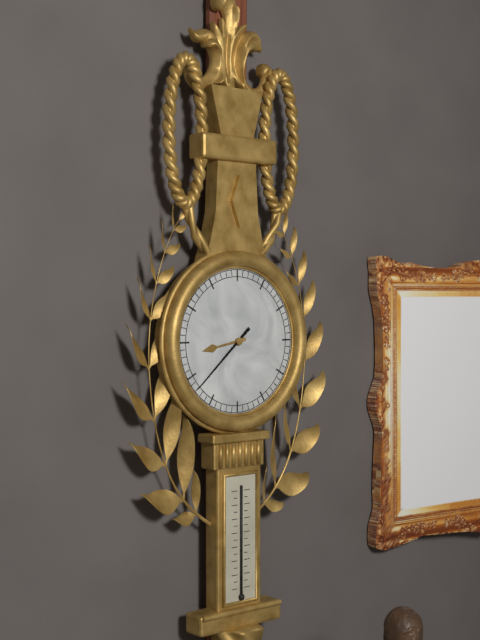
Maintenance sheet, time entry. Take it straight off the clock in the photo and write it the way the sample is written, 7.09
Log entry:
8.38
